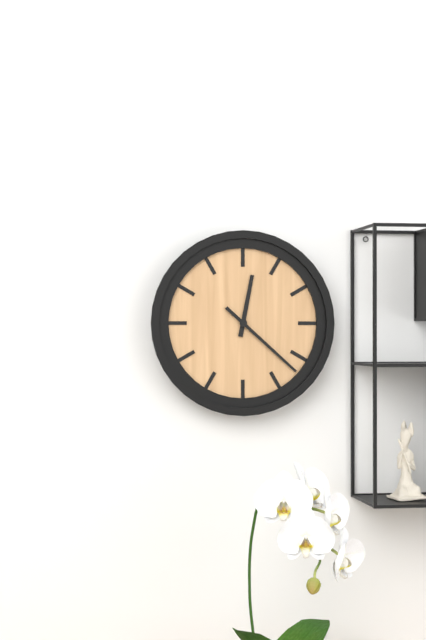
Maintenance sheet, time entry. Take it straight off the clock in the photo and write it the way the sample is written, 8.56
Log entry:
12.22
